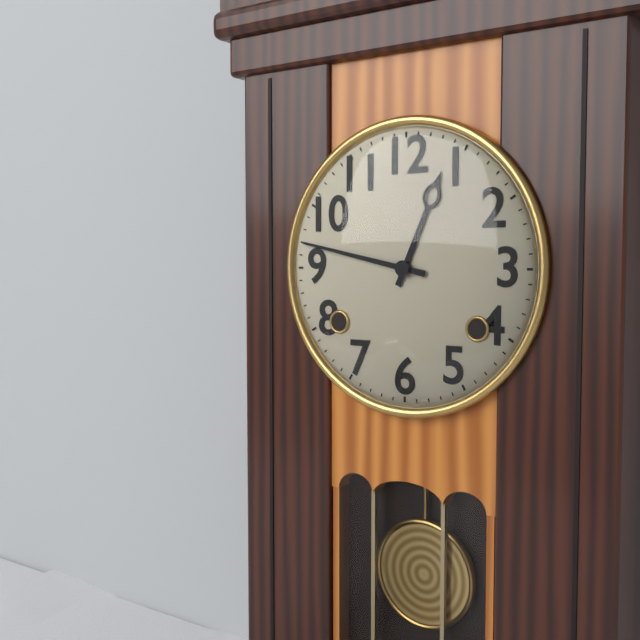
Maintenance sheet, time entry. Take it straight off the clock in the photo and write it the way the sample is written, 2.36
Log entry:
12.47
